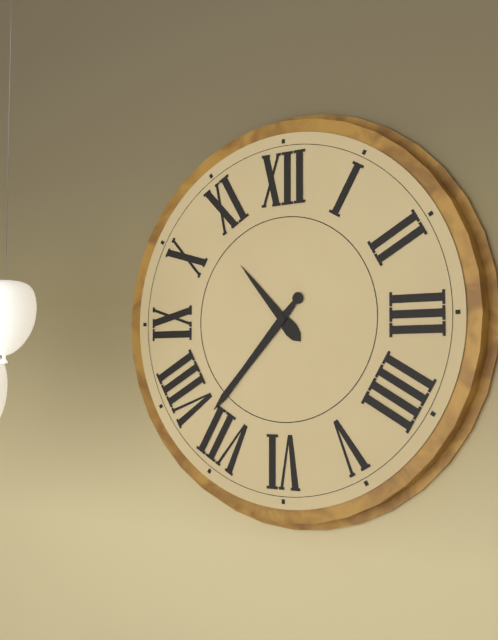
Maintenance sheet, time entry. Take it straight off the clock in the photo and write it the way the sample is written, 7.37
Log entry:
10.37
